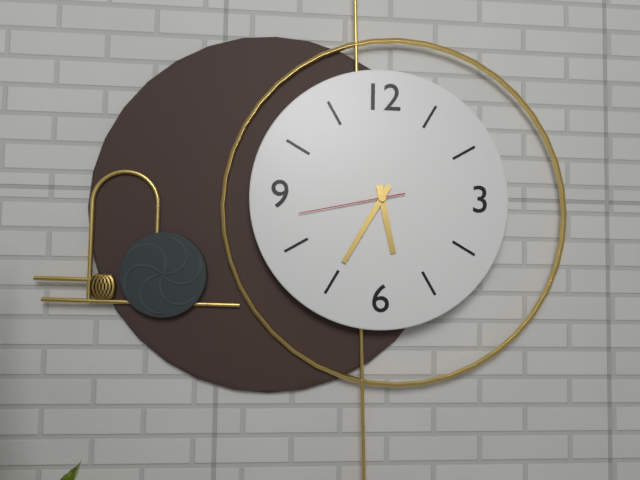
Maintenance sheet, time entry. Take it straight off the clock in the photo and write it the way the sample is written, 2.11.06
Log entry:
5.35.43
